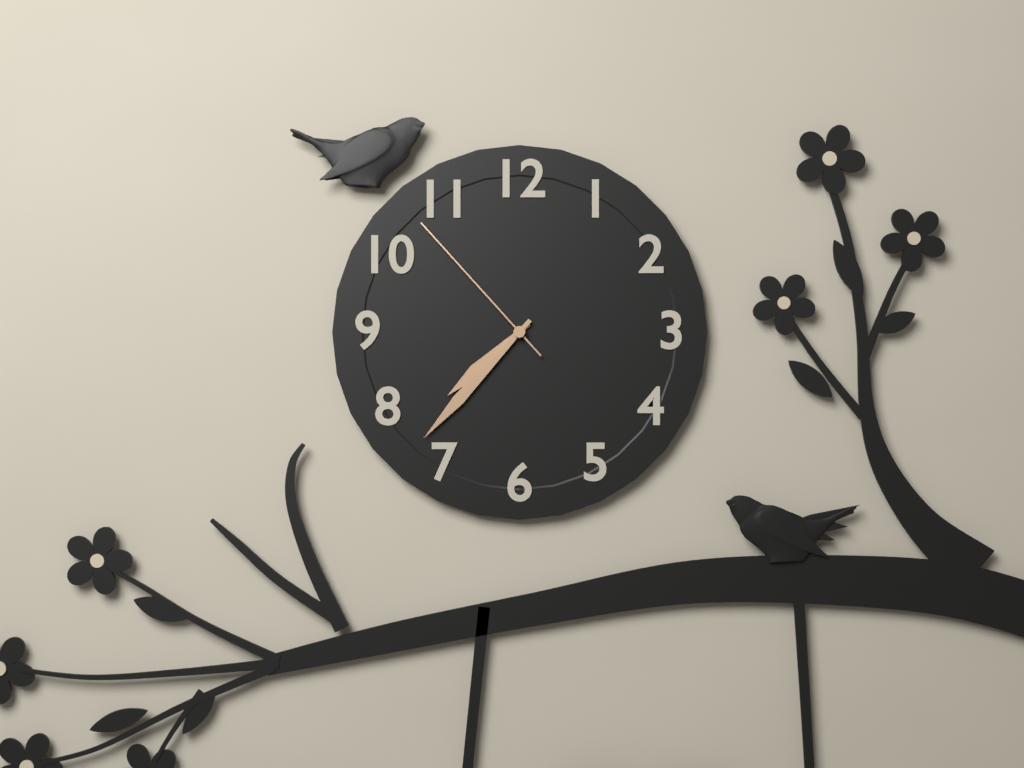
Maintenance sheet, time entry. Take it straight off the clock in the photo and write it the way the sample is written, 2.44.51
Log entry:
7.37.53
